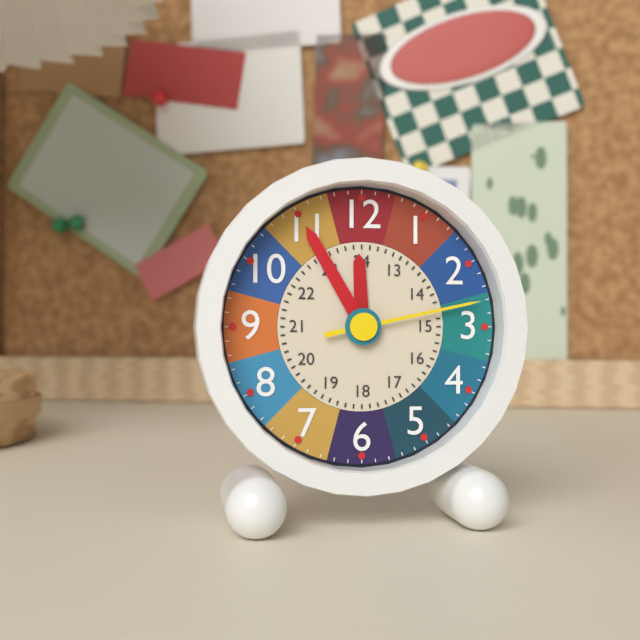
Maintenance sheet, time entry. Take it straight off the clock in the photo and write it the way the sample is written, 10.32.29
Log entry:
11.55.13
